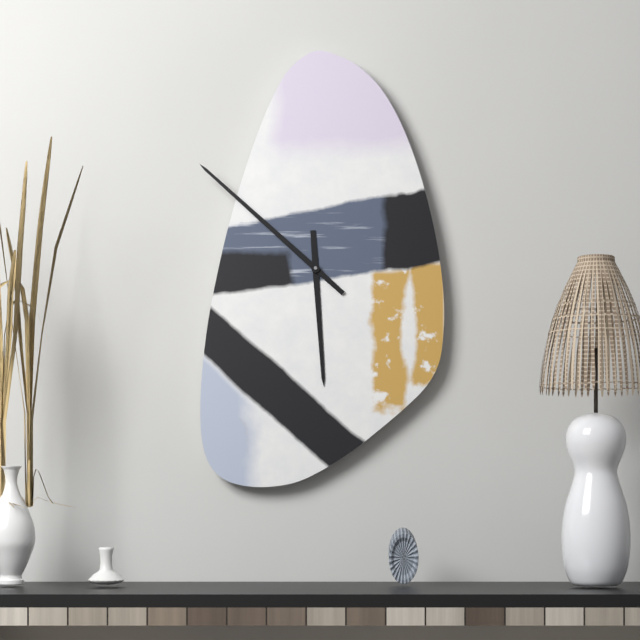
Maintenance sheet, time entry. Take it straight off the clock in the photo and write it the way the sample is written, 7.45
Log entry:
5.52
